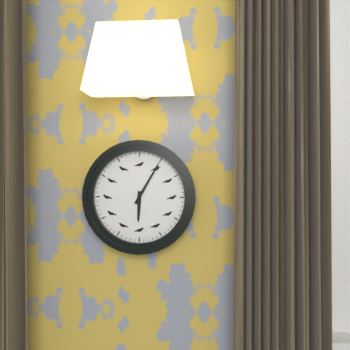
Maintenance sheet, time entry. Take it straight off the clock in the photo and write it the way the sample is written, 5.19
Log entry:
6.05
